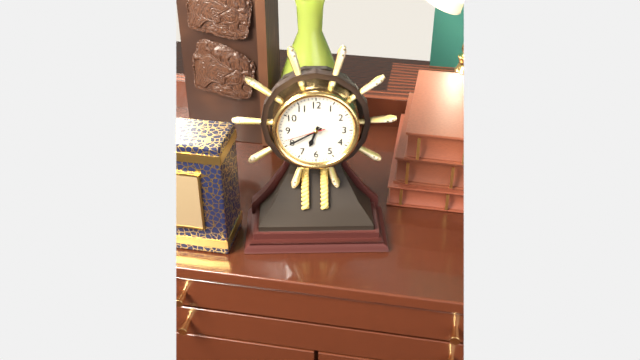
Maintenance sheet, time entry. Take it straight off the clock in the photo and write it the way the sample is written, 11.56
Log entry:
6.40
